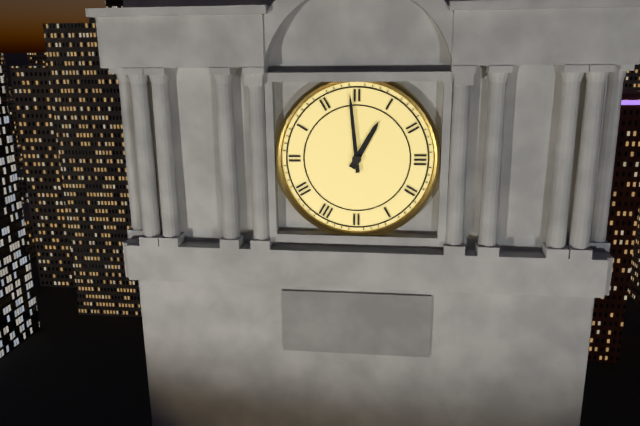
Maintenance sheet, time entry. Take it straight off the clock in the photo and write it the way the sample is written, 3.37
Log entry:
12.59
